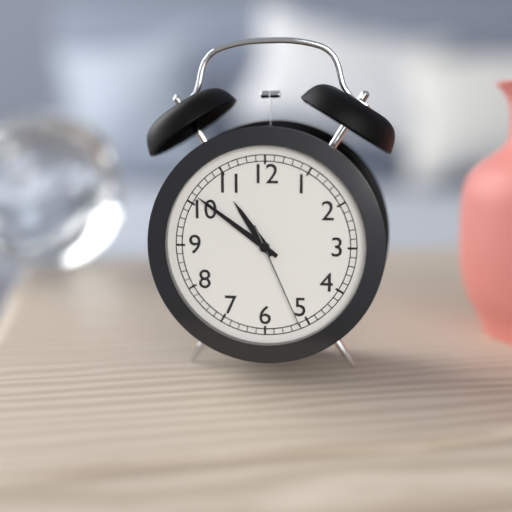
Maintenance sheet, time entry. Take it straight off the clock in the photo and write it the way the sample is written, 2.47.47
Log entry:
10.51.26
